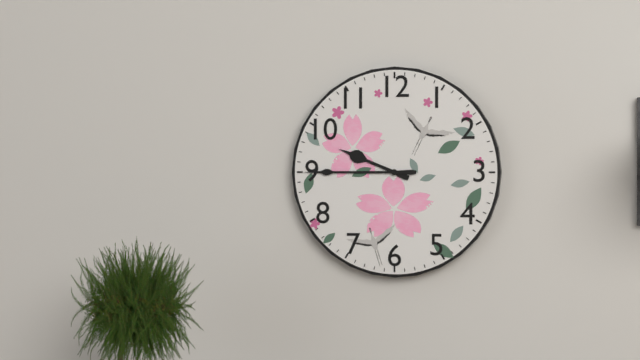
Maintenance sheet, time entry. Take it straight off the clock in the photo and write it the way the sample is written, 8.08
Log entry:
9.45
